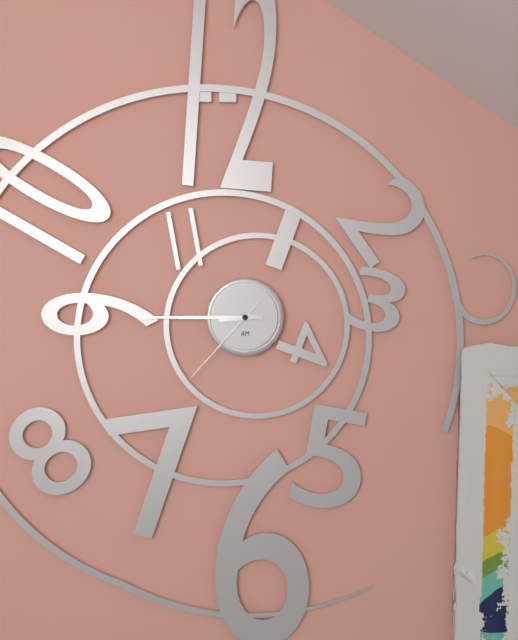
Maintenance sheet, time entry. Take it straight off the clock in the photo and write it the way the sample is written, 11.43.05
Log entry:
8.45.37
